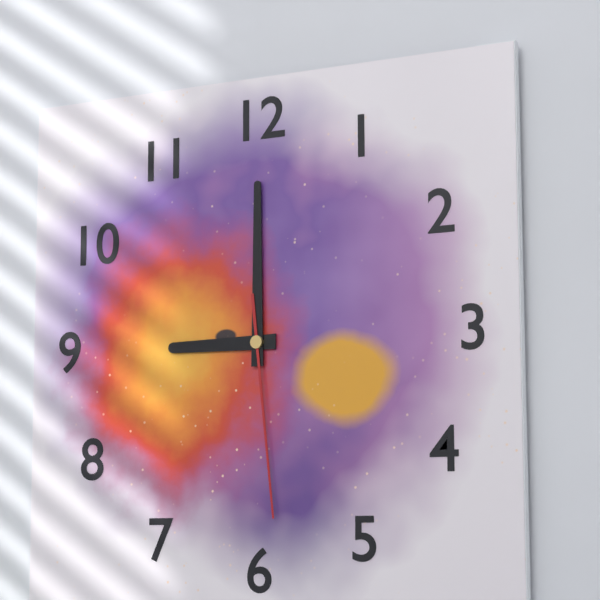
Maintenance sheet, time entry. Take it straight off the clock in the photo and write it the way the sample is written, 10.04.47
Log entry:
9.00.29
